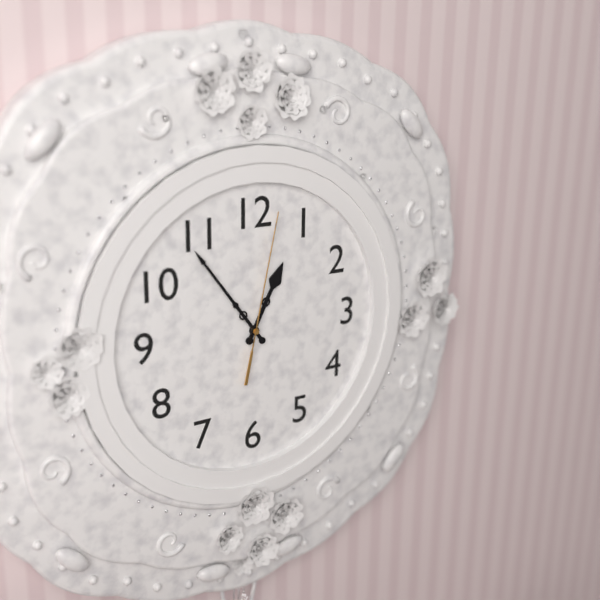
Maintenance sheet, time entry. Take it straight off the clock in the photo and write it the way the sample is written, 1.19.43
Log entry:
12.54.02
